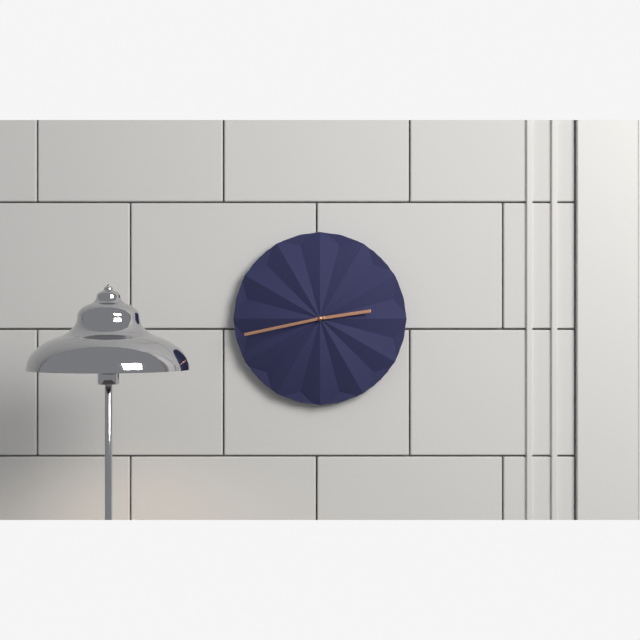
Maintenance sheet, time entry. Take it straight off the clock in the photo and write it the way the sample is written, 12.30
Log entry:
2.43
